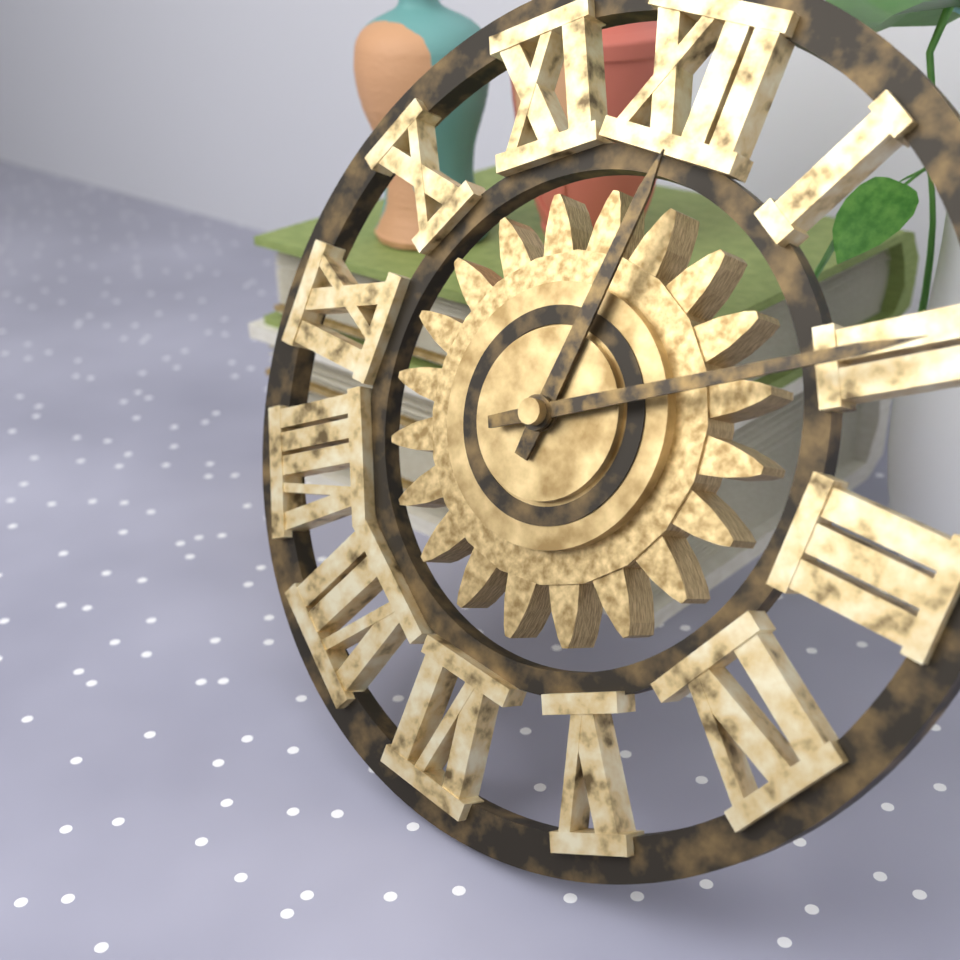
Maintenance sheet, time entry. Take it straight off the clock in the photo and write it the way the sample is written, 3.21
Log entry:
12.10
